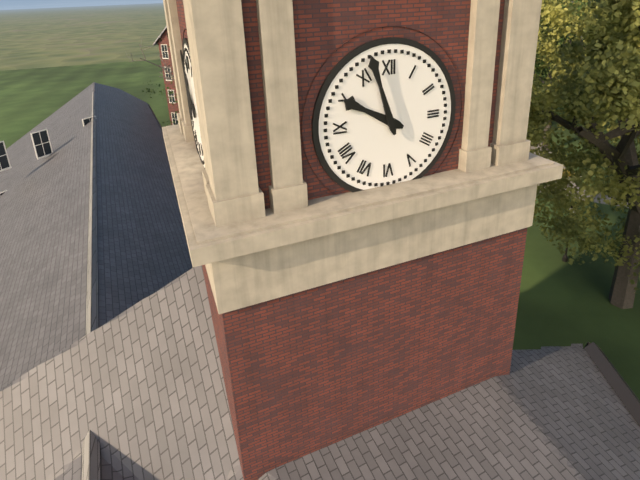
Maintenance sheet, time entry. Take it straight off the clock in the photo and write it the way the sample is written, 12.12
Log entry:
9.57
